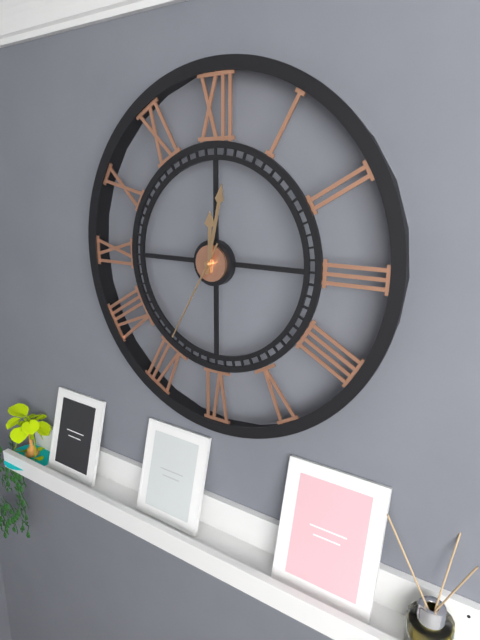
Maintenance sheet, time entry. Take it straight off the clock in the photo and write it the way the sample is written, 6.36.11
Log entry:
12.02.35
